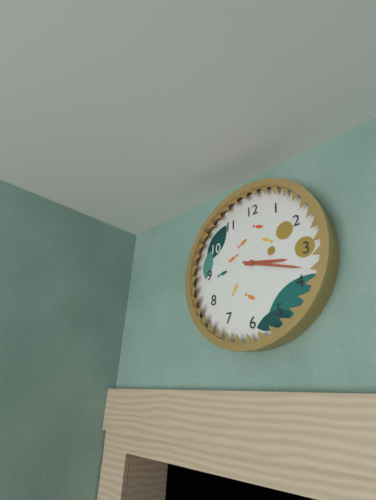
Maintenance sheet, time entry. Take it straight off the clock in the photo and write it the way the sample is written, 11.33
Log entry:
3.18
